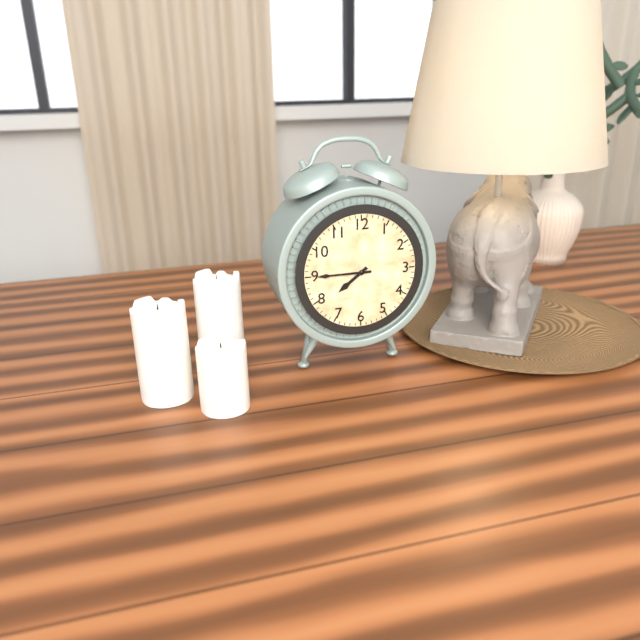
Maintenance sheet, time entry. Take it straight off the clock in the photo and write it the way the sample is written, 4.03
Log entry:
7.45
